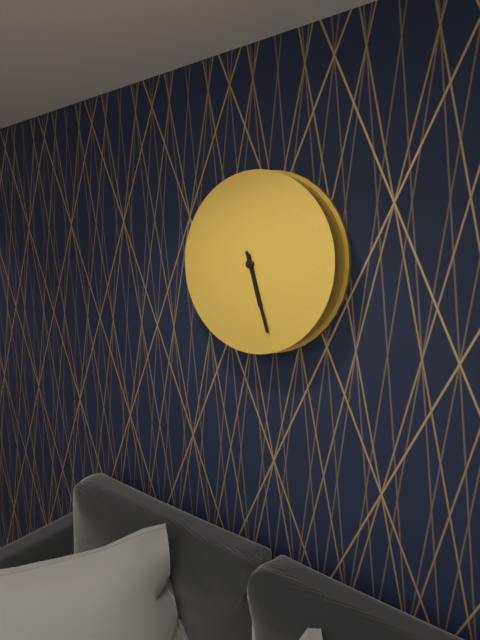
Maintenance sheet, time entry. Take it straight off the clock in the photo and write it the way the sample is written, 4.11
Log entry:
5.27
